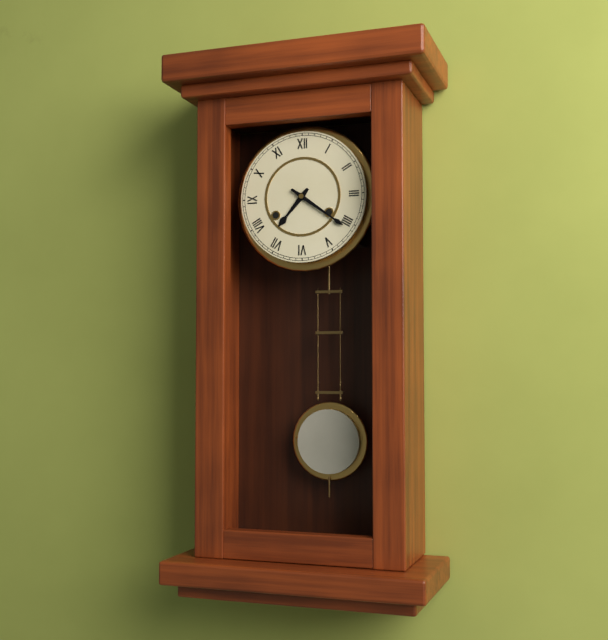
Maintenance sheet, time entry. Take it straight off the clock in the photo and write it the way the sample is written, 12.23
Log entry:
7.21
